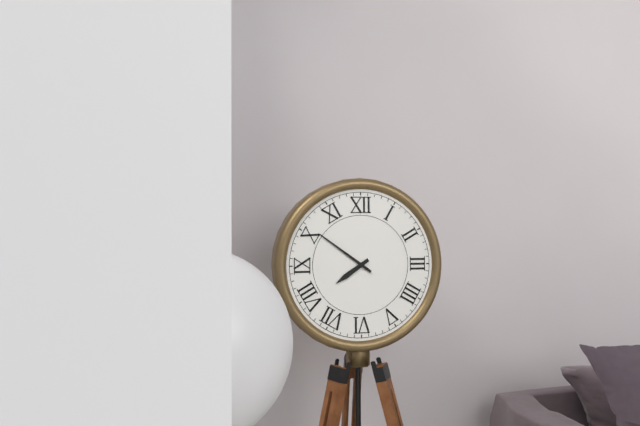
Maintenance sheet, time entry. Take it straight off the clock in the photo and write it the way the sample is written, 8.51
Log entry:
7.51
